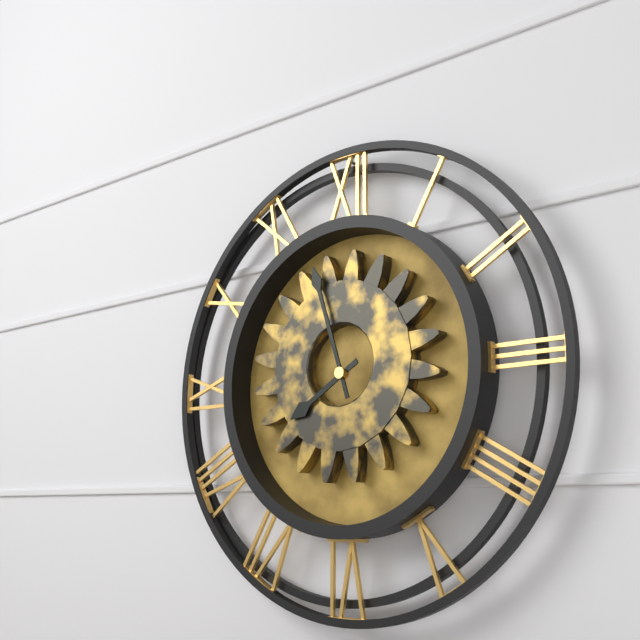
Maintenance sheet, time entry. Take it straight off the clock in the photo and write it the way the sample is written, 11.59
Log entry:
7.57
